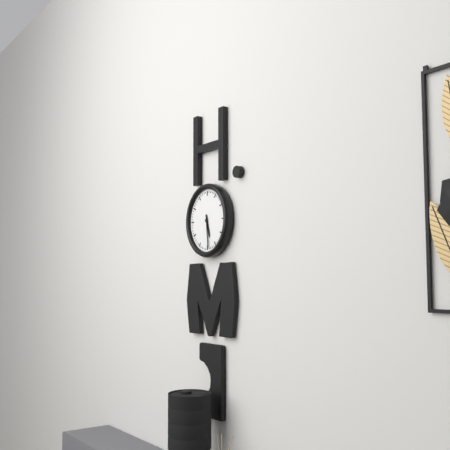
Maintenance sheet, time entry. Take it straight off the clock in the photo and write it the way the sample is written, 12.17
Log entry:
5.29
